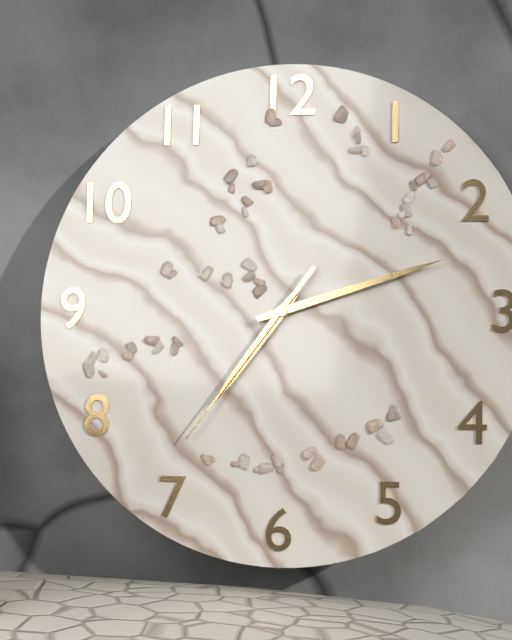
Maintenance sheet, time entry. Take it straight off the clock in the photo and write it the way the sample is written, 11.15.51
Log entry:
7.12.36
